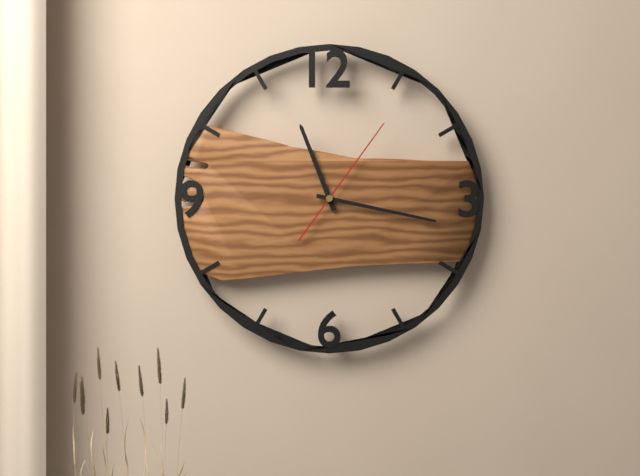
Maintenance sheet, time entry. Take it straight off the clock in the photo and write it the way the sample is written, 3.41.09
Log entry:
11.17.06
